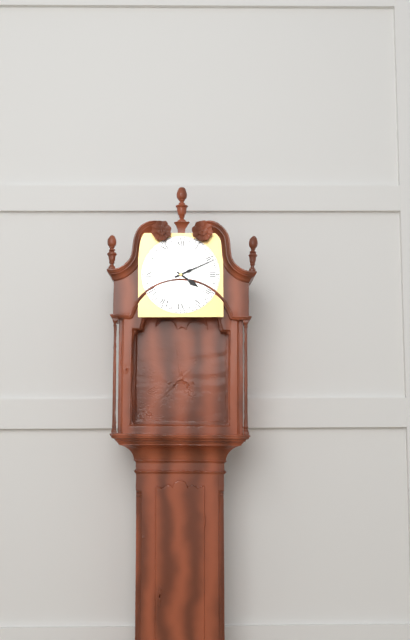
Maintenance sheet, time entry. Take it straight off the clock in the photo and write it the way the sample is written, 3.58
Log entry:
4.11
